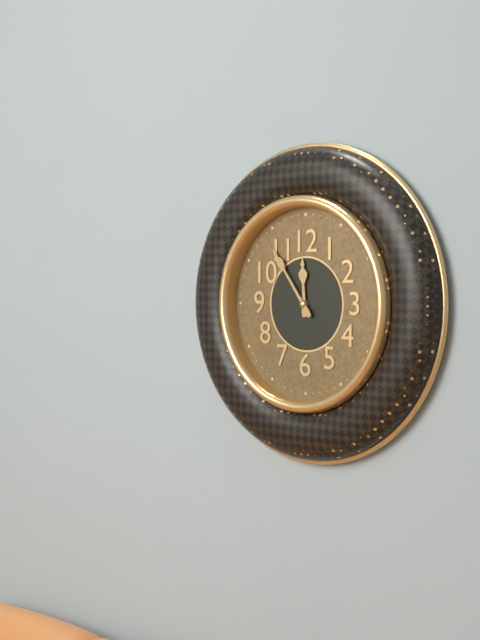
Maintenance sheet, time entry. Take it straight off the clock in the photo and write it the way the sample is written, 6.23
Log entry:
11.54
